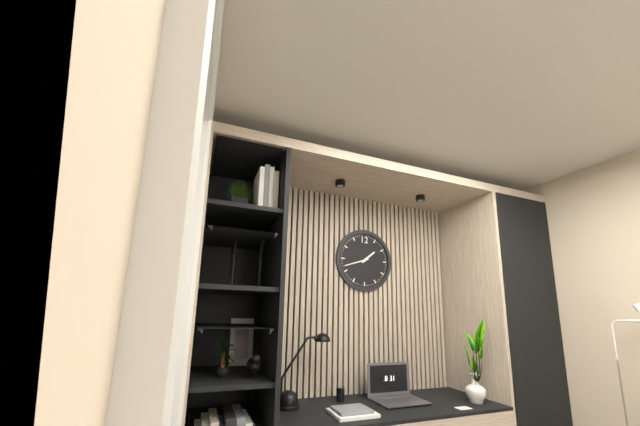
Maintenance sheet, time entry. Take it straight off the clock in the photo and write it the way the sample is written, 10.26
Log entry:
1.42
